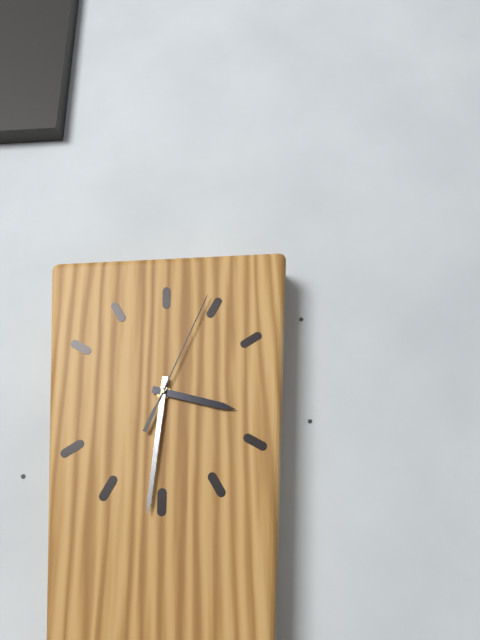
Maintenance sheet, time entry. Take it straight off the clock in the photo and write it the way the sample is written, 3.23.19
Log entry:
3.31.04
